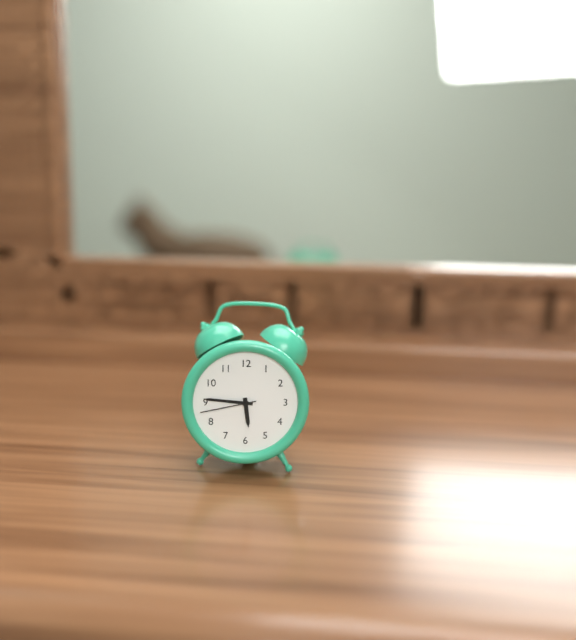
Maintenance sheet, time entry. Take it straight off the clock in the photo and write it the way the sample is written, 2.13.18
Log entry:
5.46.43
